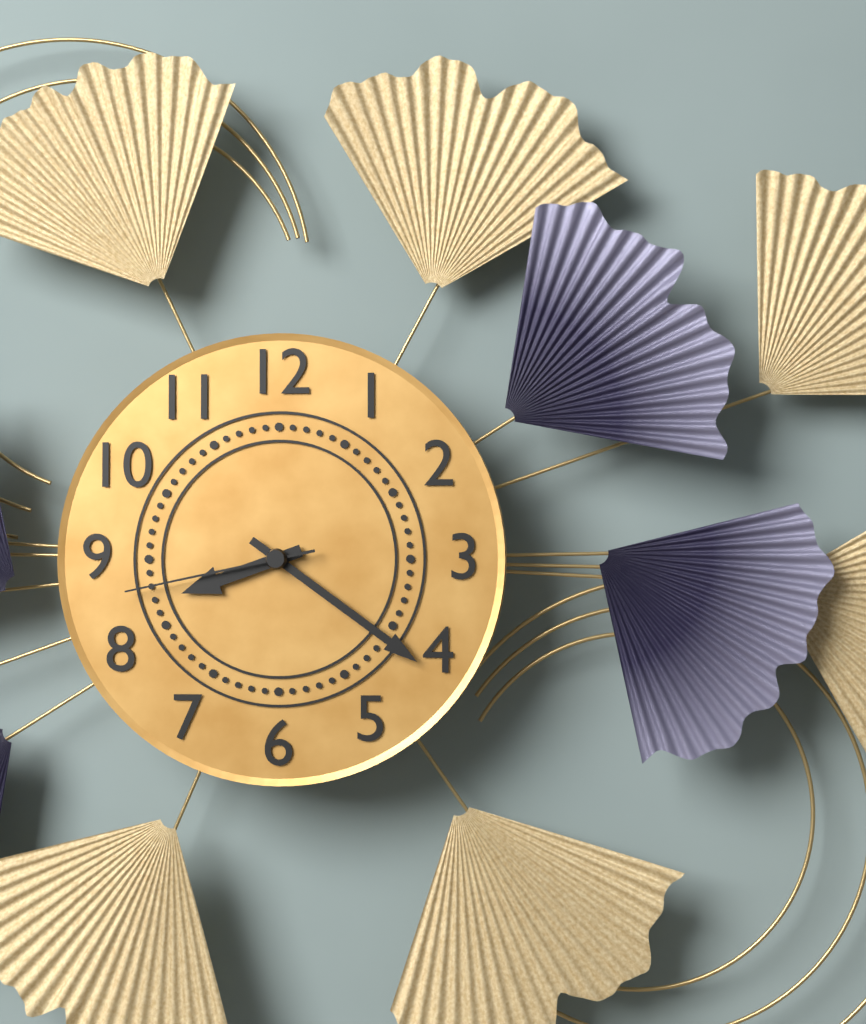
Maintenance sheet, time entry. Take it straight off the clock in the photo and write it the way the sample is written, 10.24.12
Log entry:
8.21.43
